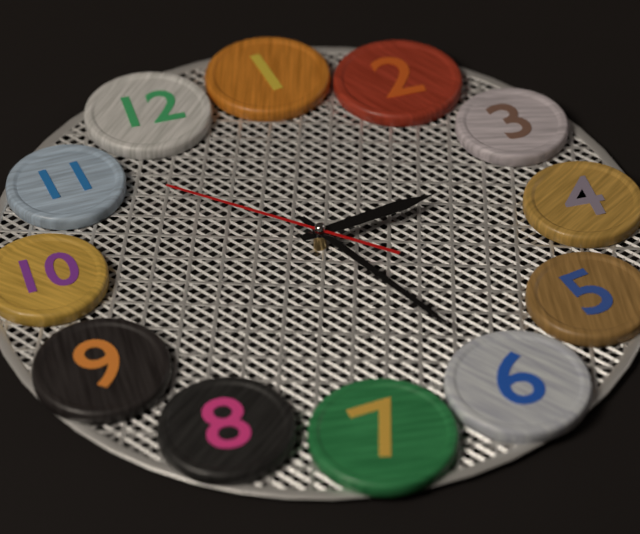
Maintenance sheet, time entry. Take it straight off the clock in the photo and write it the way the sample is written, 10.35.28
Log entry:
3.30.56
